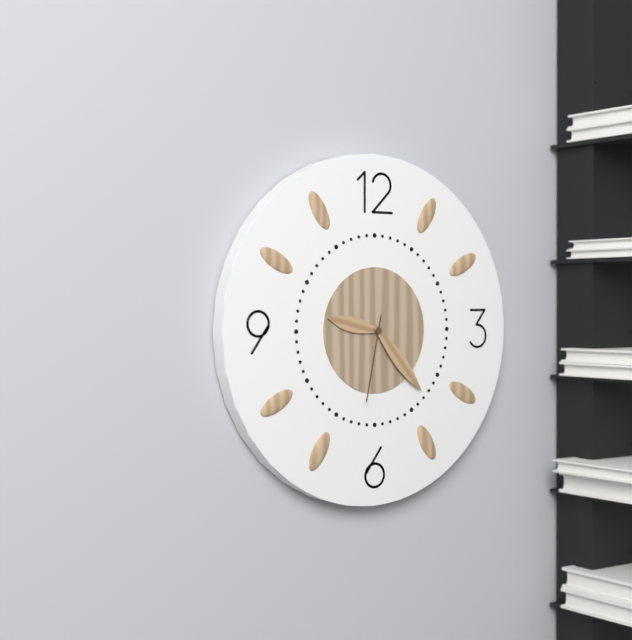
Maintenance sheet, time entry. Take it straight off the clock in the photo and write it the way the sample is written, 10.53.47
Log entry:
9.23.32
